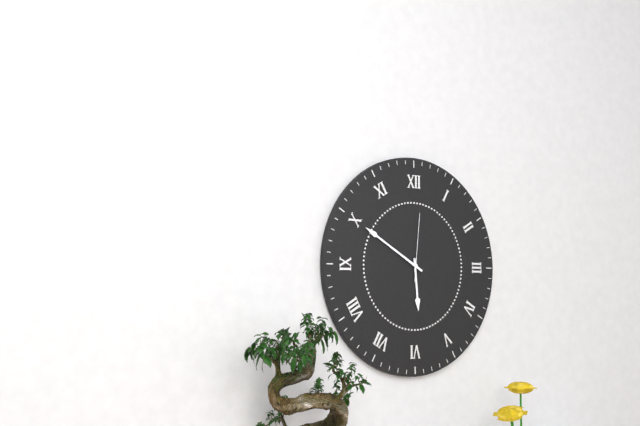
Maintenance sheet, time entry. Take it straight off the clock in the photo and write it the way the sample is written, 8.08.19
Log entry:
5.50.01
